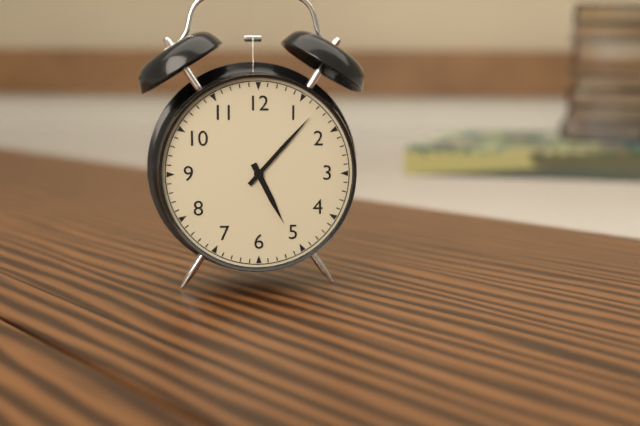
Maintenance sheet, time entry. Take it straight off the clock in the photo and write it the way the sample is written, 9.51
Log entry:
5.07
